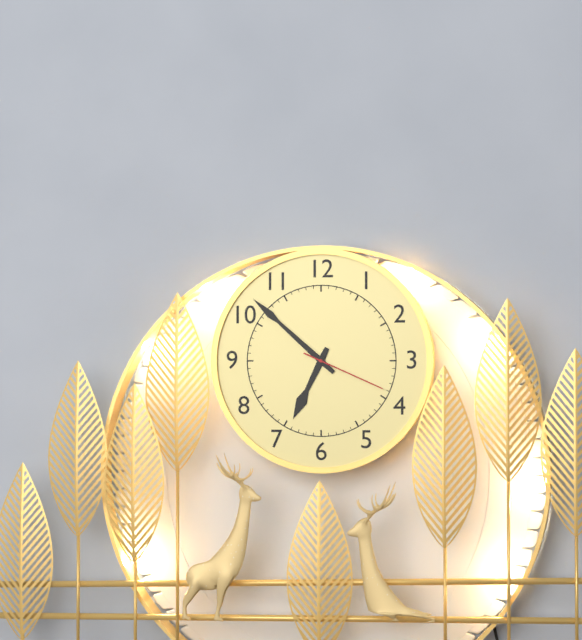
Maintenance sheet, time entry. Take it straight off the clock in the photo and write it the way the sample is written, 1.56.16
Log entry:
6.52.19
